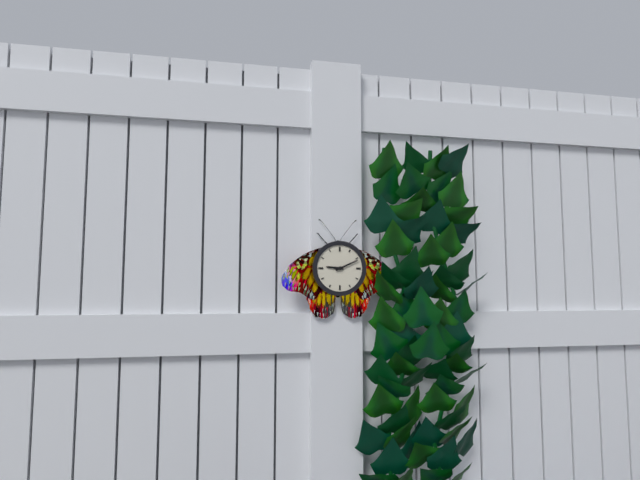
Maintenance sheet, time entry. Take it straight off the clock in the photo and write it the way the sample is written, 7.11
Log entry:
9.11
